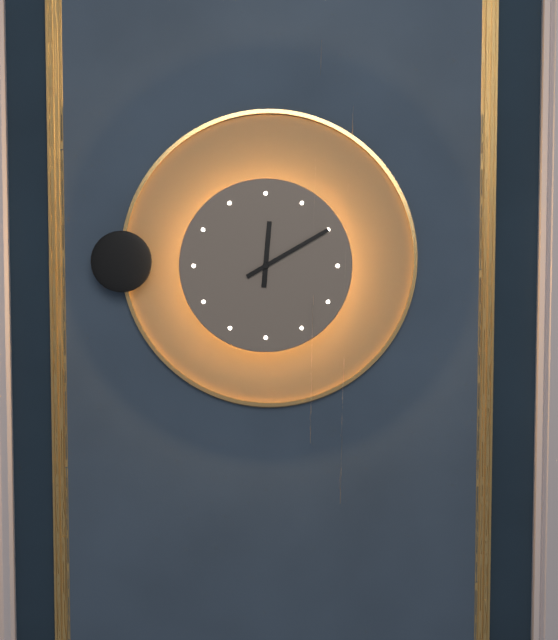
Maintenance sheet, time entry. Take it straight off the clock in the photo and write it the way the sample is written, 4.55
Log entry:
12.10
